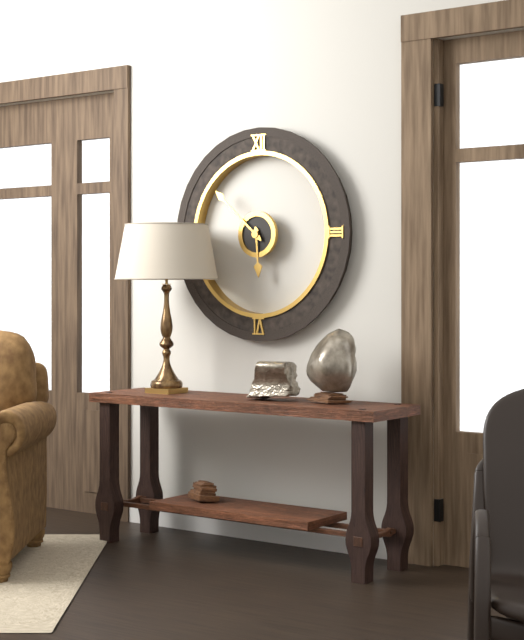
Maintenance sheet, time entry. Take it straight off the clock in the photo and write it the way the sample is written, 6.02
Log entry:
5.52
